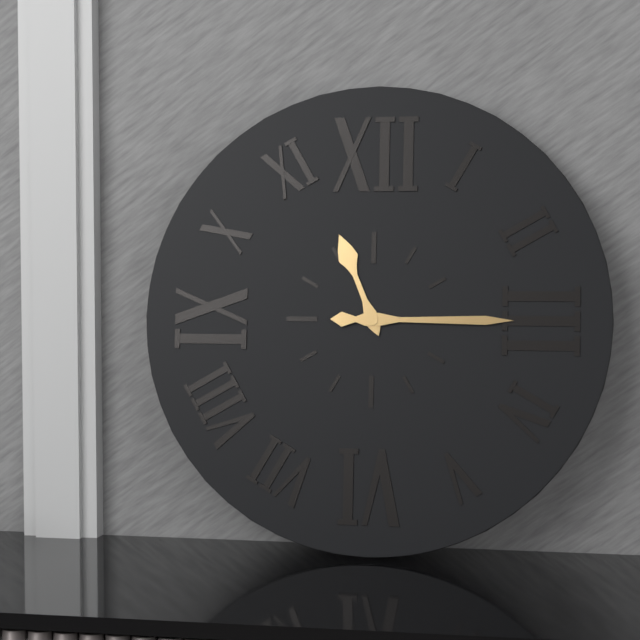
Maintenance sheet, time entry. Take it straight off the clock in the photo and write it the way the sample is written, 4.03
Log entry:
11.15
